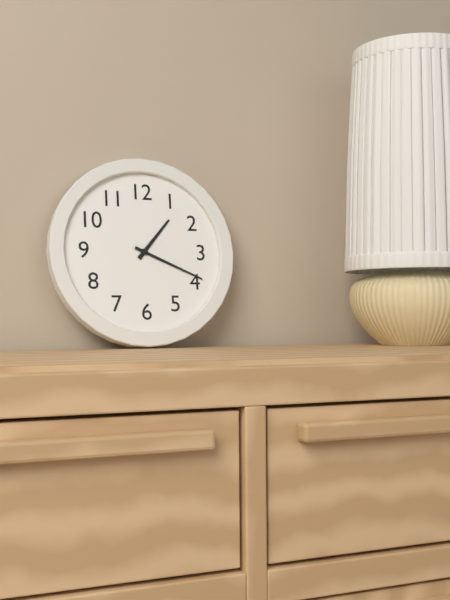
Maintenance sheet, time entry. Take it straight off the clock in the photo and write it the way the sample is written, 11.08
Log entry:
1.19
